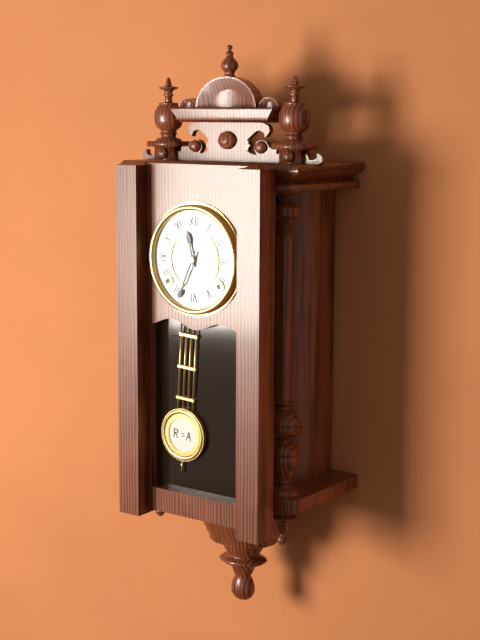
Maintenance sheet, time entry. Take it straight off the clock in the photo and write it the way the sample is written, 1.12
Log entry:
11.34
